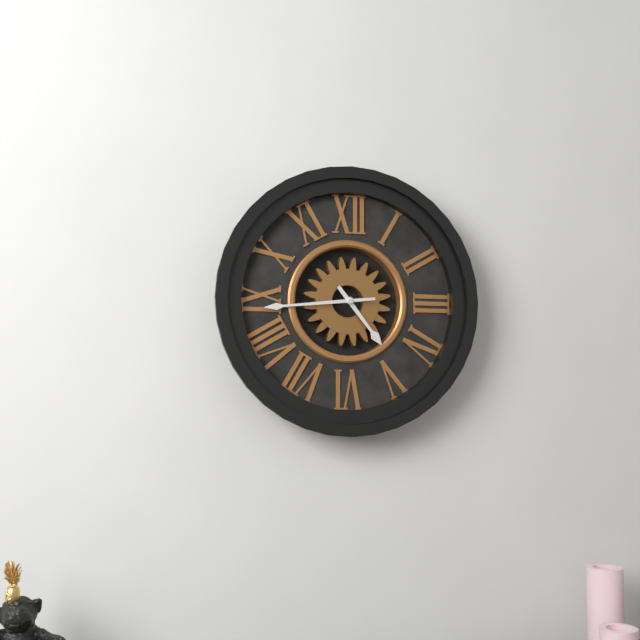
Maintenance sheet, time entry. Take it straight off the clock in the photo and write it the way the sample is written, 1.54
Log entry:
4.44
